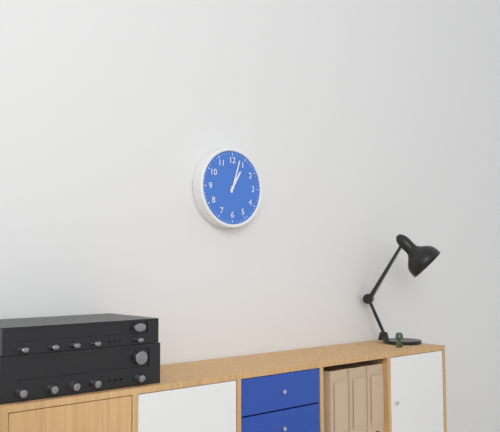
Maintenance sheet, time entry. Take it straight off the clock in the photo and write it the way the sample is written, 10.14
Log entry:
1.03
